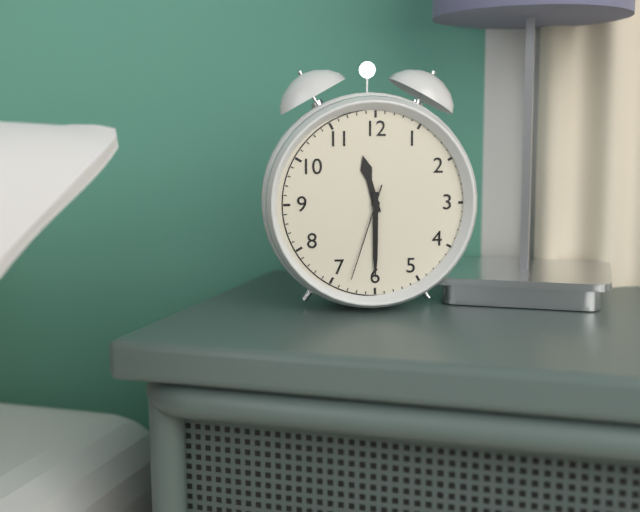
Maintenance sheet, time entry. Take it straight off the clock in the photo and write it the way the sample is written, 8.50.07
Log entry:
11.30.33
